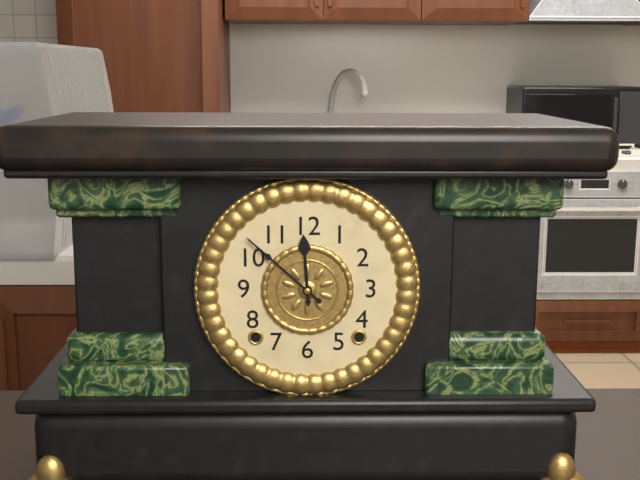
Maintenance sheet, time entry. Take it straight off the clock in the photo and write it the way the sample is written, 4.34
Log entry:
11.52
